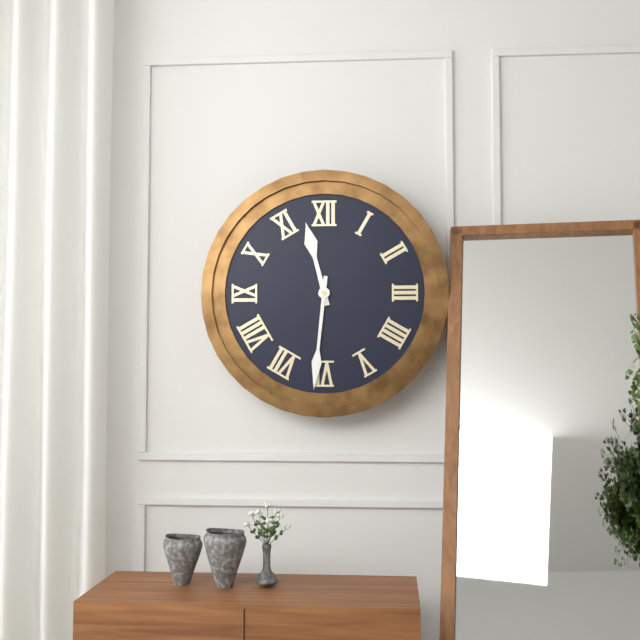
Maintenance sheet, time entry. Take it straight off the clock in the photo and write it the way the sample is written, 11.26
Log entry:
11.31
